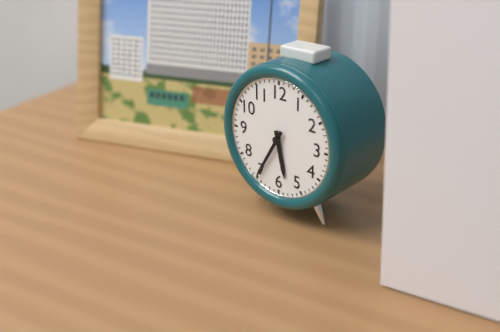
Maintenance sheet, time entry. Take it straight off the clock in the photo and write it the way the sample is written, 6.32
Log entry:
5.35
